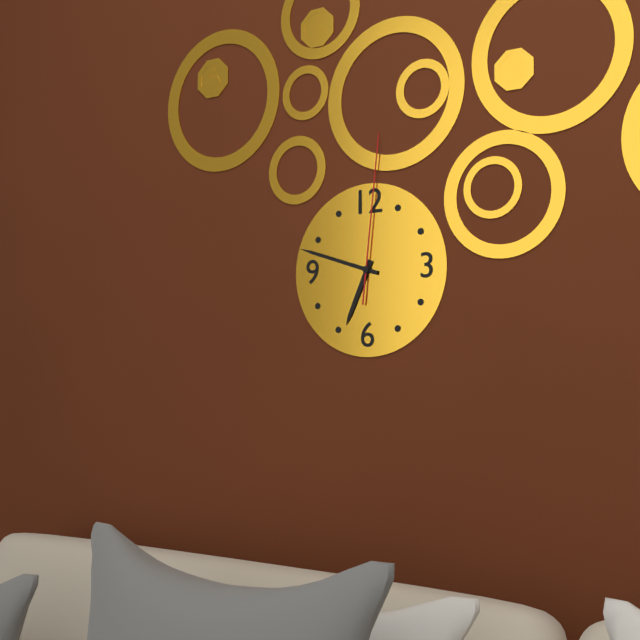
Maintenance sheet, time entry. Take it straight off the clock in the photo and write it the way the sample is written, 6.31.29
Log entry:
6.48.01
